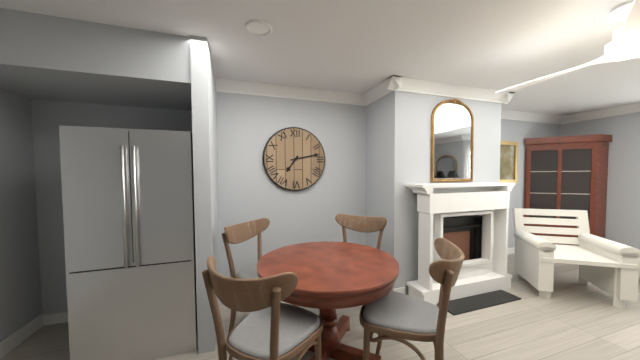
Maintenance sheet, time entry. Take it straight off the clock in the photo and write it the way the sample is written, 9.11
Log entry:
7.13
